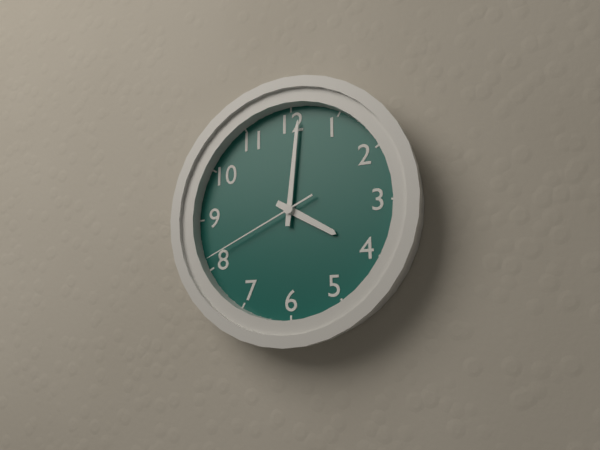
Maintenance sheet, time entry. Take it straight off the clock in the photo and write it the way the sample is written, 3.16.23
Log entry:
4.01.41
